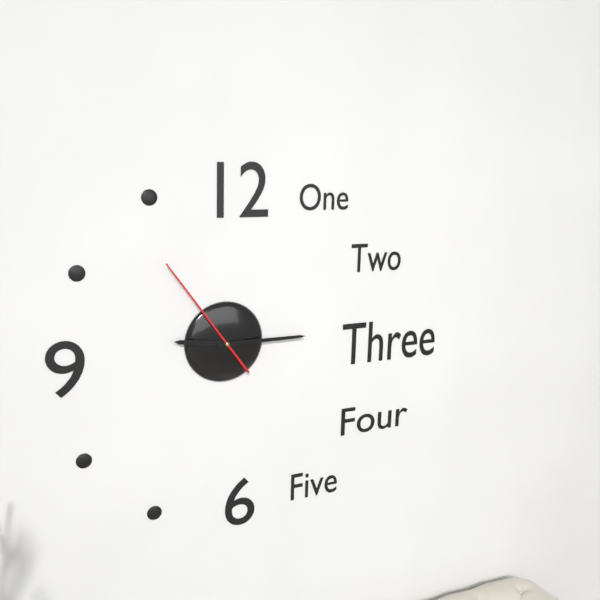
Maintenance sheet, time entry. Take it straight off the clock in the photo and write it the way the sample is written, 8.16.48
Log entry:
9.15.54
